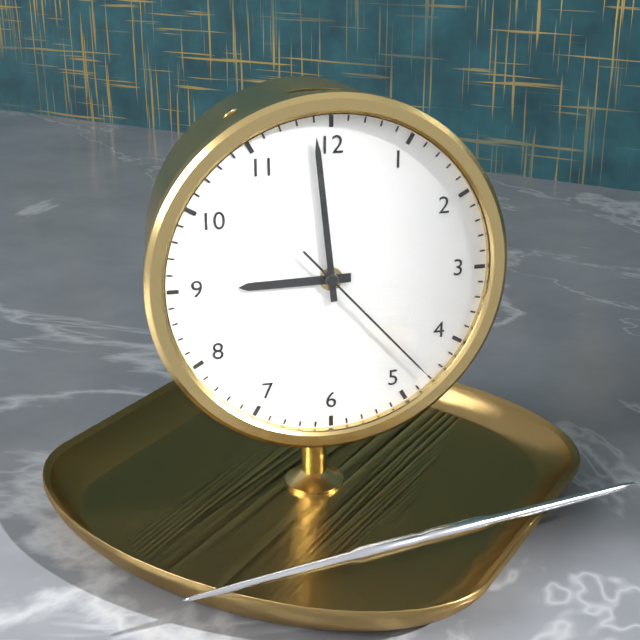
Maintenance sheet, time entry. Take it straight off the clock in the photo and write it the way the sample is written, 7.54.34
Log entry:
8.59.23
